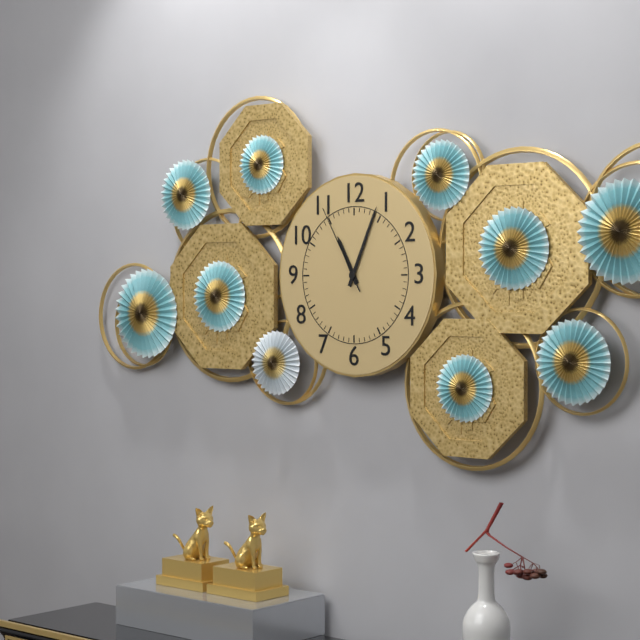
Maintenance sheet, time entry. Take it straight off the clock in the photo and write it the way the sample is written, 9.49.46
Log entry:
11.04.55
